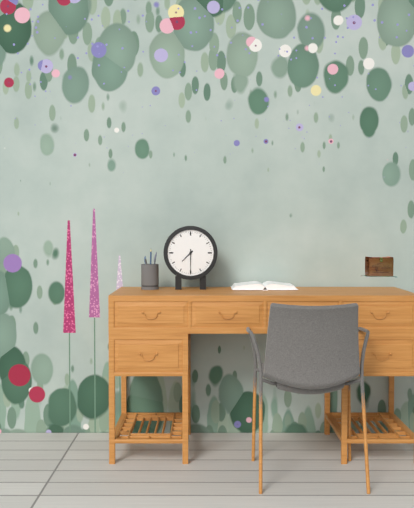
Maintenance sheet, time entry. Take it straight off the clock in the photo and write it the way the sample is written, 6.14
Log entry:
7.30
